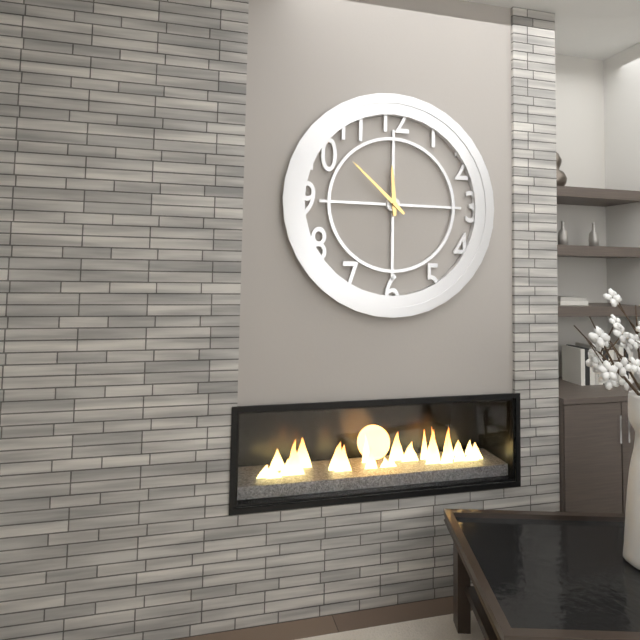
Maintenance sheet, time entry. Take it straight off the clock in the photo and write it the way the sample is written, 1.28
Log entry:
11.52
